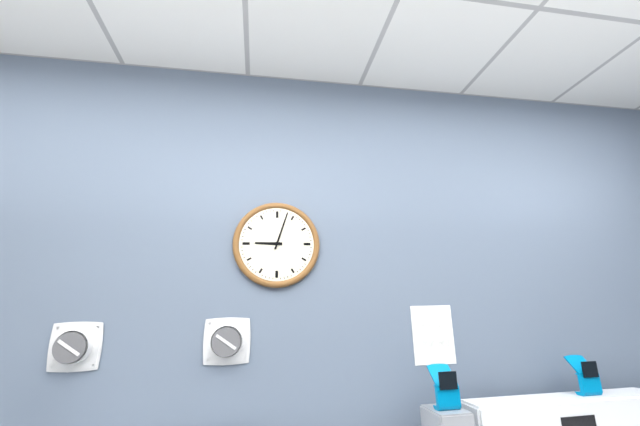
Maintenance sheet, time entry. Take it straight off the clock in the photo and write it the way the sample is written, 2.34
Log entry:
9.03
